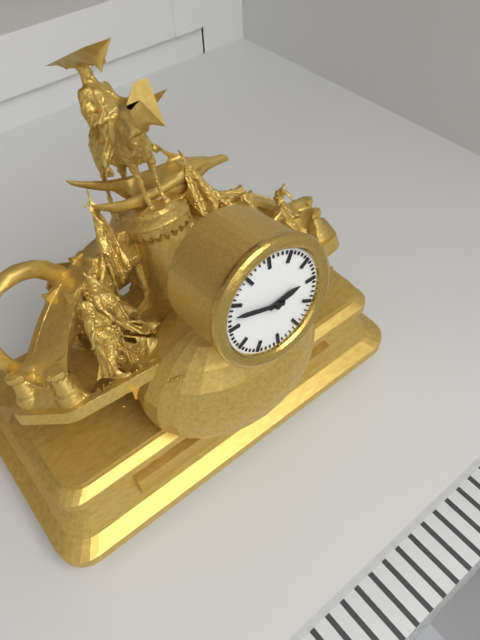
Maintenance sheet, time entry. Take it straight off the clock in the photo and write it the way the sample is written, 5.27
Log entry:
2.48
